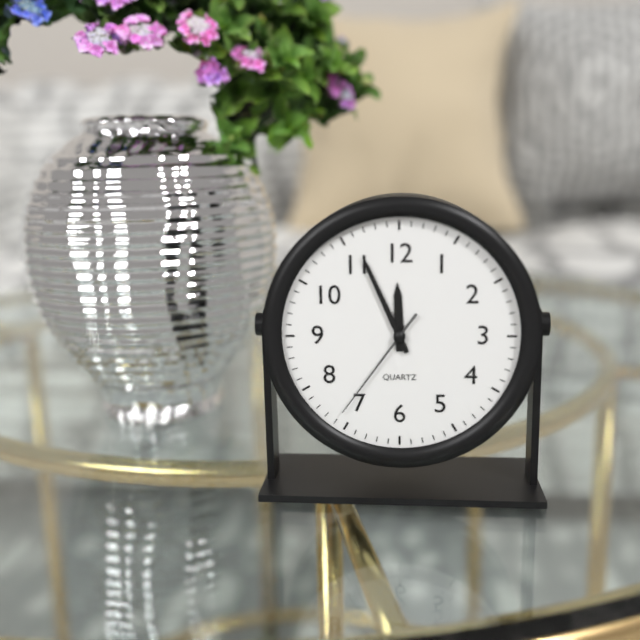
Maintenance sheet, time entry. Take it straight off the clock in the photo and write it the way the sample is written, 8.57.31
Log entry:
11.56.36
